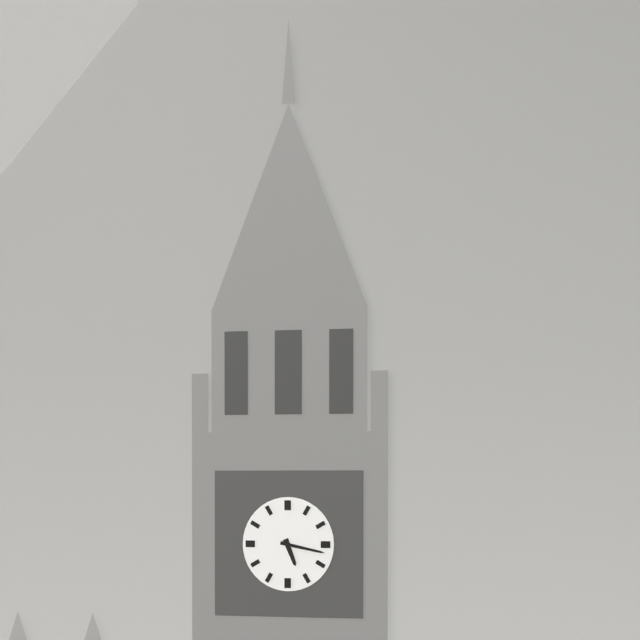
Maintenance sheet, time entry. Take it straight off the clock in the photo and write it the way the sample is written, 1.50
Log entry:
5.17
